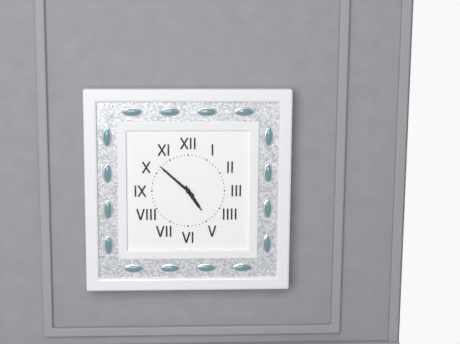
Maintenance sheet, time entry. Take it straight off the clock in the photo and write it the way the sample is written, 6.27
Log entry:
4.52
